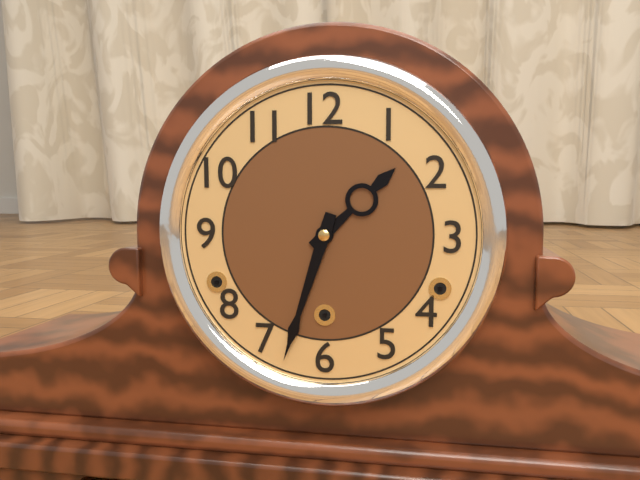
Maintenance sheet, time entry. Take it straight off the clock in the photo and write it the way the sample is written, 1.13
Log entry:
1.33
